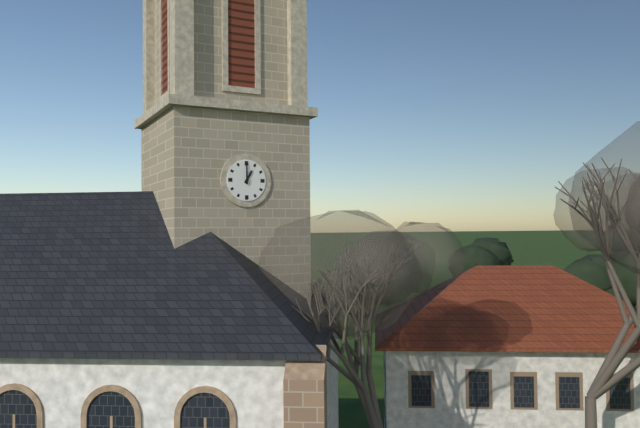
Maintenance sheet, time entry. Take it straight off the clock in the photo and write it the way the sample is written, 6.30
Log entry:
1.00
